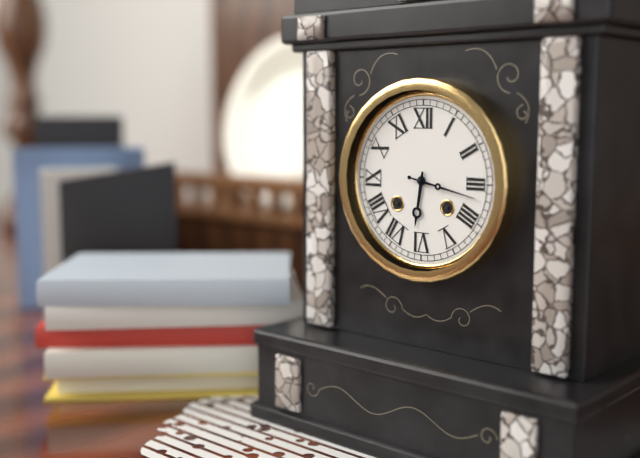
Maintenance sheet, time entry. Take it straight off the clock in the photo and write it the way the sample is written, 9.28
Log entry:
6.17
